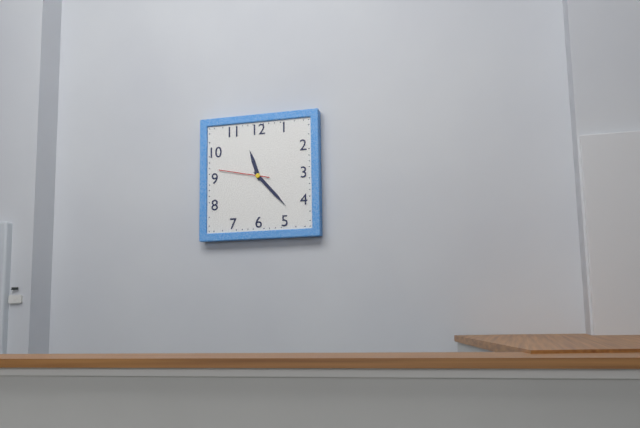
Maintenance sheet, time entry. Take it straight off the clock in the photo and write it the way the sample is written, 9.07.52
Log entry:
11.23.47
